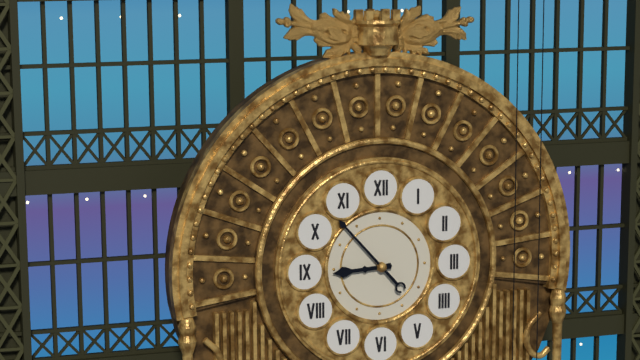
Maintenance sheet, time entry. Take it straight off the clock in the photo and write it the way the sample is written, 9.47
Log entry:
8.53
